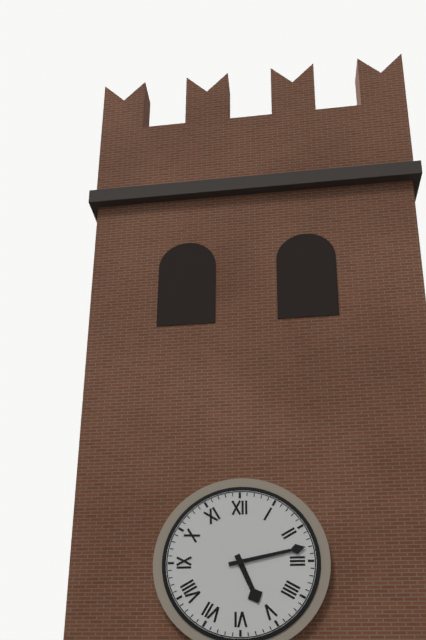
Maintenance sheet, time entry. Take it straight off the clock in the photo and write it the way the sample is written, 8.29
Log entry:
5.13
